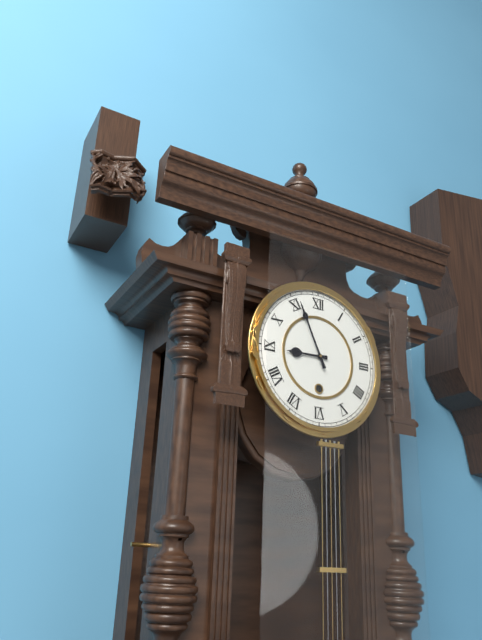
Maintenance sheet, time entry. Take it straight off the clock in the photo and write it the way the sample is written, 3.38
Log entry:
8.56
